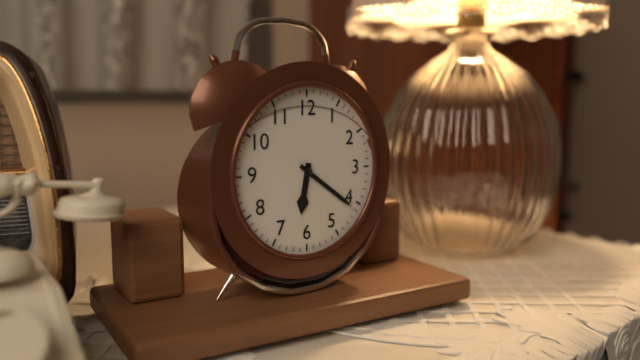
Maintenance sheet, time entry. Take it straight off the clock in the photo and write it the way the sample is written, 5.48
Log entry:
6.21
